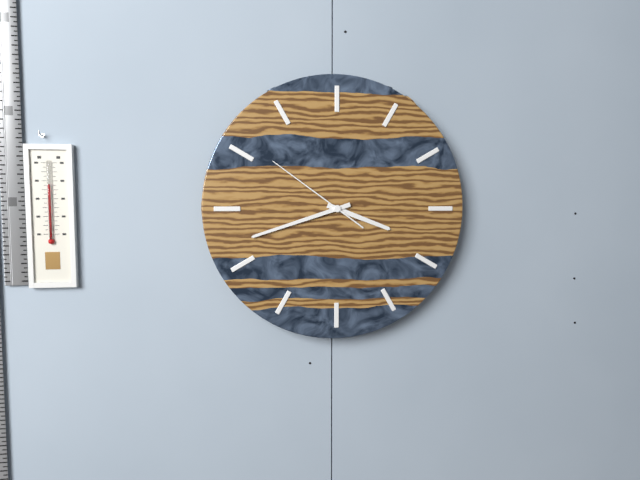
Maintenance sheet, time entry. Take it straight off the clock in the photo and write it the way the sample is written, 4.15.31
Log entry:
3.42.51
